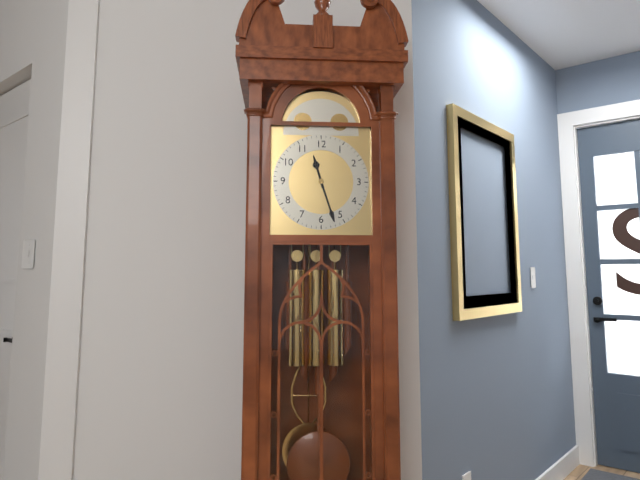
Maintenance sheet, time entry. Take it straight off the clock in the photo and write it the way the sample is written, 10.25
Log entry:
11.27
